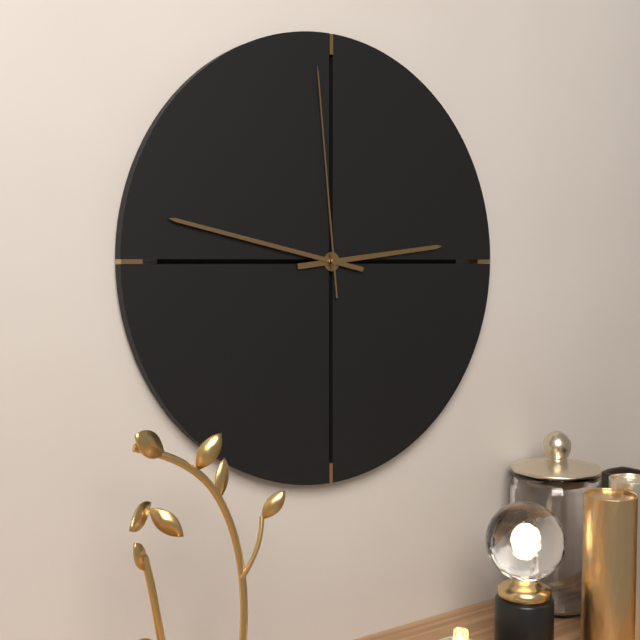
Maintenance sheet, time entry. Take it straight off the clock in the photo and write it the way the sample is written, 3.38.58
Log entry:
2.47.59
